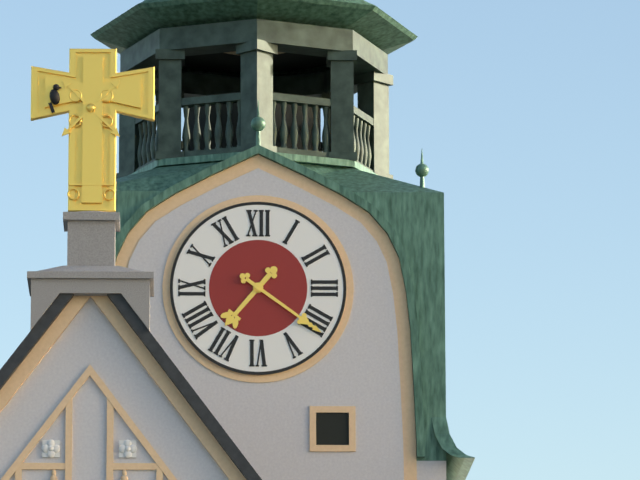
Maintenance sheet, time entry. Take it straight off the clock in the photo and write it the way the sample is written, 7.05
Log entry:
7.21
